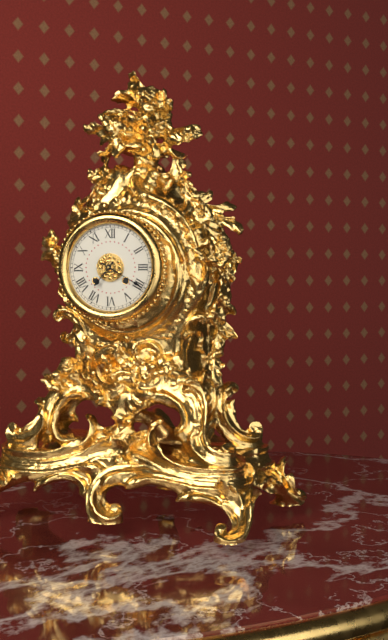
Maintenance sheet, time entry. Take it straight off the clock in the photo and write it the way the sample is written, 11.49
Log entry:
7.20
